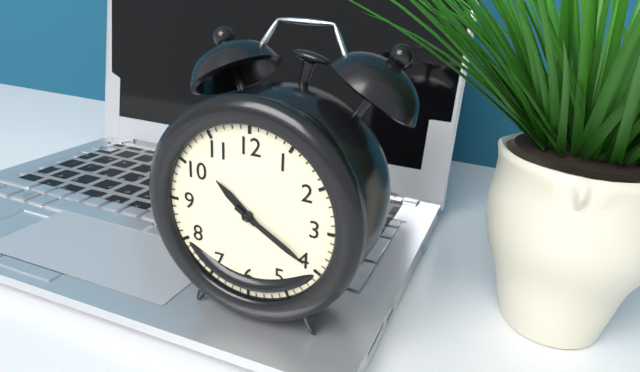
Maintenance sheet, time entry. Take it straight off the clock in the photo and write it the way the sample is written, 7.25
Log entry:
10.20
